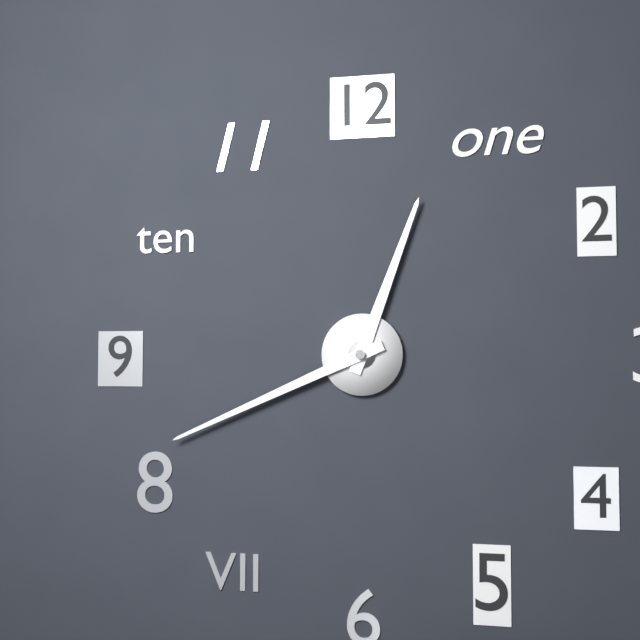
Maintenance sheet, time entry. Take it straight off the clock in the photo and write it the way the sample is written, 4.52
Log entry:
12.41
